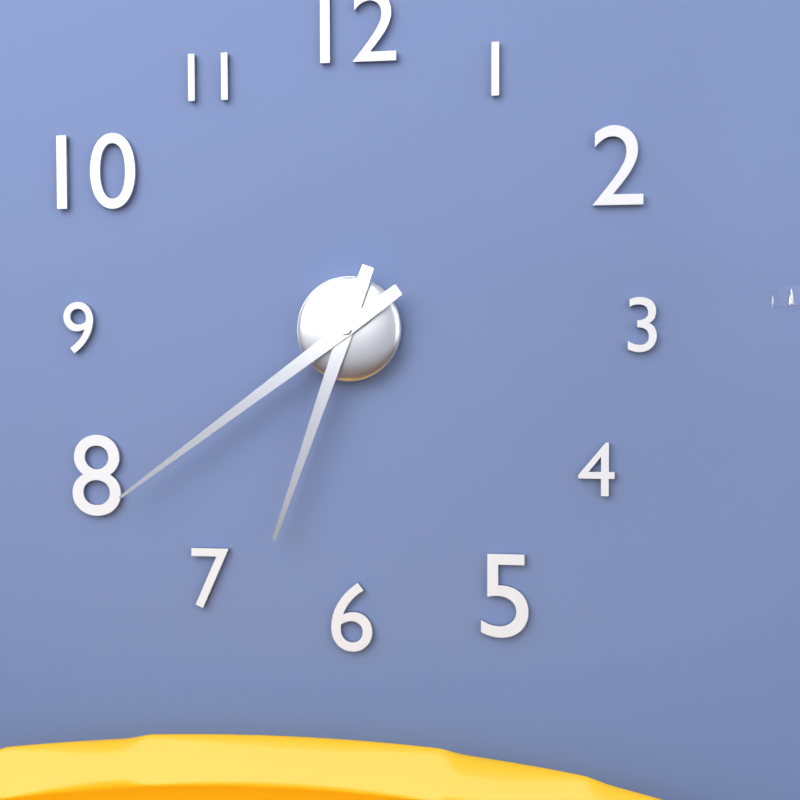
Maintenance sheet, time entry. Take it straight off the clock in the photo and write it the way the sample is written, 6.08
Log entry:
6.39
